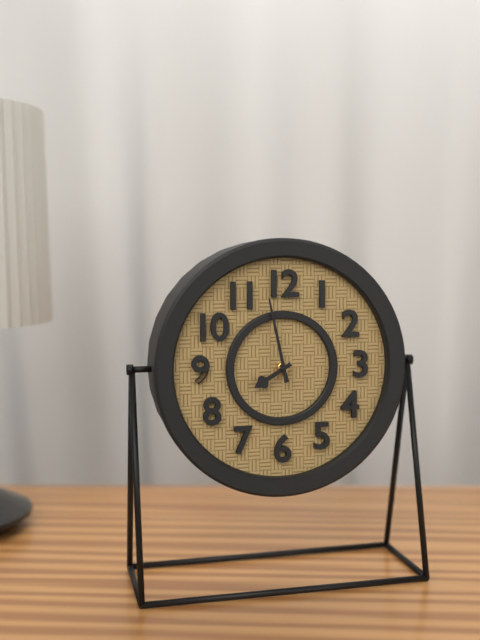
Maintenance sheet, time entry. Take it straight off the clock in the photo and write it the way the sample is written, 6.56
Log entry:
7.58
